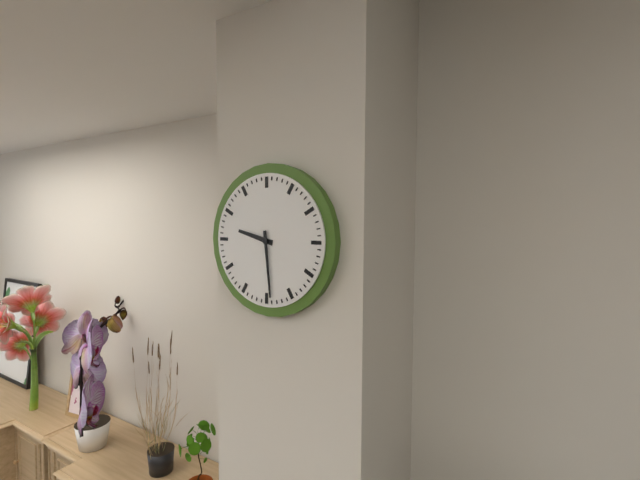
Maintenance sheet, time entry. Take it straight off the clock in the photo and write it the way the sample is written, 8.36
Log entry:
9.29
